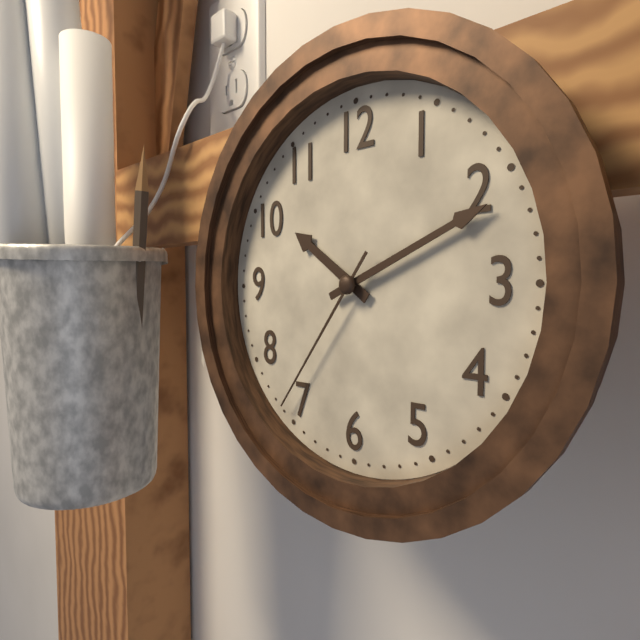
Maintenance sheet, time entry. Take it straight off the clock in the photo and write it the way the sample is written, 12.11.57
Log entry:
10.11.36
